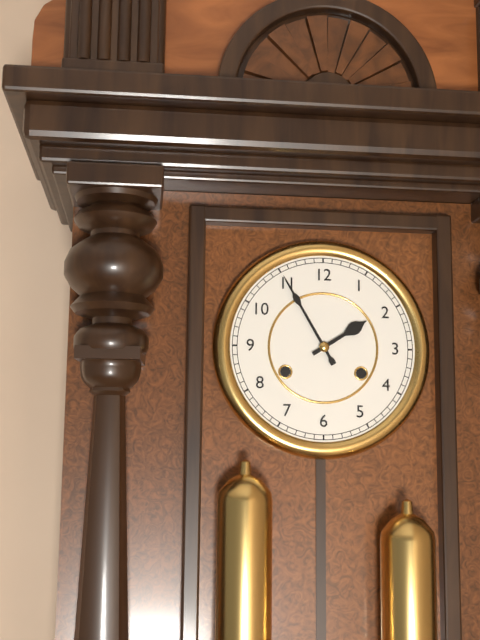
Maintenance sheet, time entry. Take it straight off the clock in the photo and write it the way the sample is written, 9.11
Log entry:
1.55
